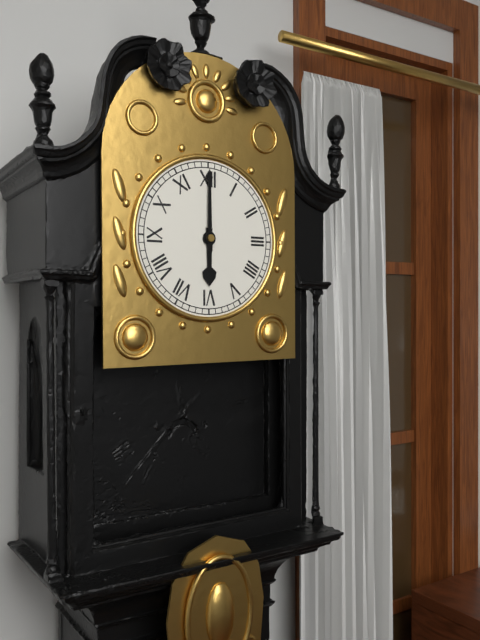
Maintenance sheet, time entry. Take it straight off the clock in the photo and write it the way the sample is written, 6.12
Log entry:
6.00
